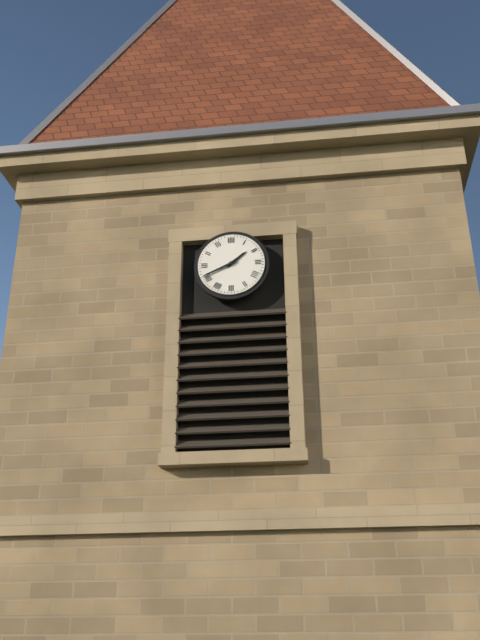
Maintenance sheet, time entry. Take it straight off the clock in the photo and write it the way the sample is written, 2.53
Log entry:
1.41
